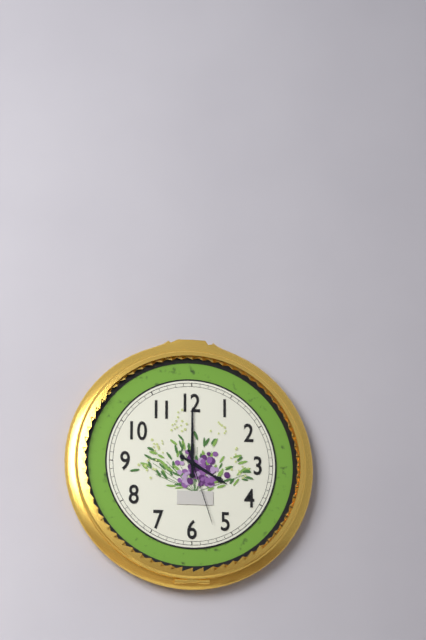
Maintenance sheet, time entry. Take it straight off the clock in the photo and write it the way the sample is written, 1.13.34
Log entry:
4.00.27
